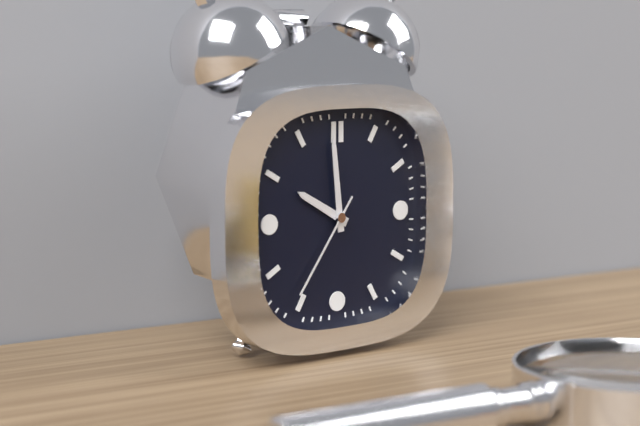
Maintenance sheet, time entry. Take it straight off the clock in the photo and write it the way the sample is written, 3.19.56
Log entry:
9.59.36
